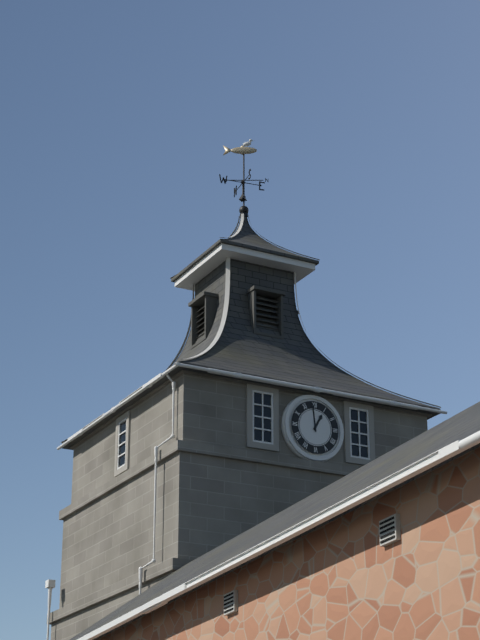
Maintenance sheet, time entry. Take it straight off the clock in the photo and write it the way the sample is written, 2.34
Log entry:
12.59
